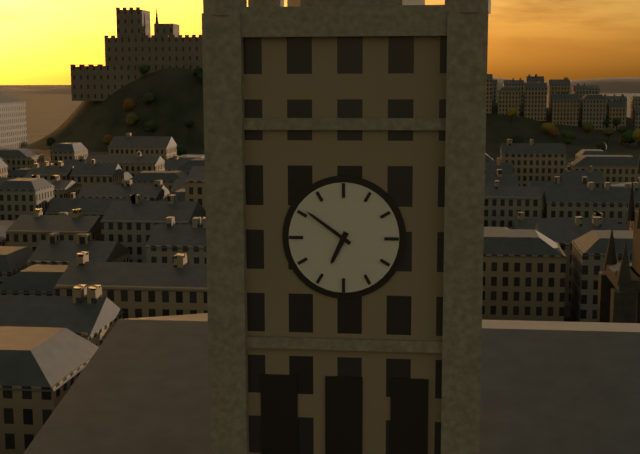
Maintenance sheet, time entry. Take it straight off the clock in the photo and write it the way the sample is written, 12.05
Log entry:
6.51
